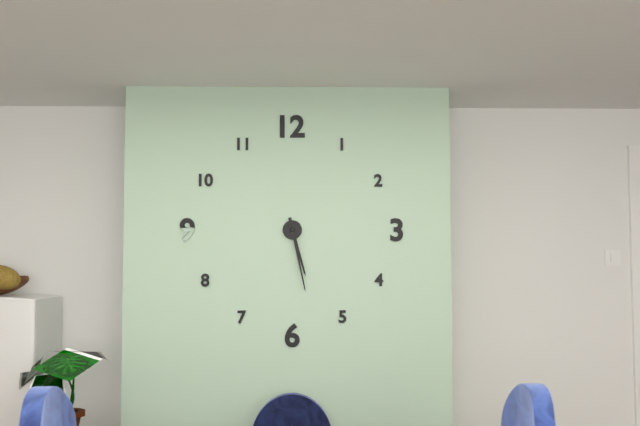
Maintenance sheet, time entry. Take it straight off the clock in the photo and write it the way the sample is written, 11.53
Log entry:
5.28
